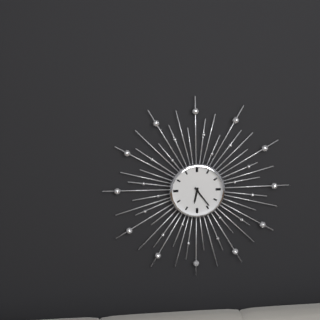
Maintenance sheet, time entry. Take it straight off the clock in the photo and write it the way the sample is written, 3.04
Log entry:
6.24
